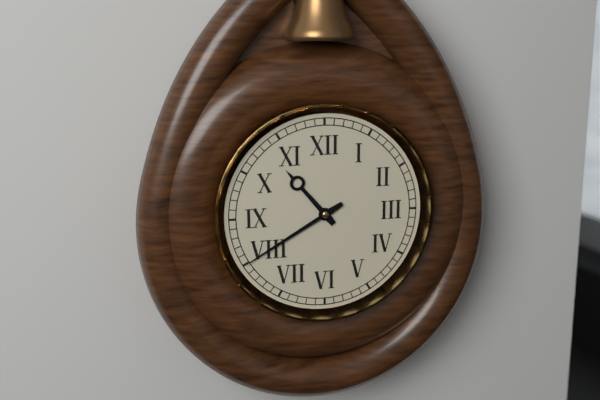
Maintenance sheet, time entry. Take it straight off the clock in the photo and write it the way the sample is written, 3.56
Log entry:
10.40
